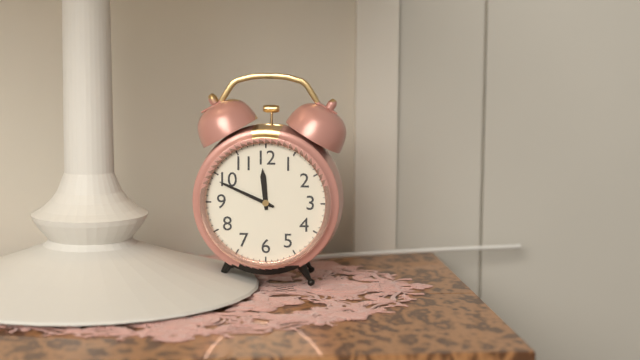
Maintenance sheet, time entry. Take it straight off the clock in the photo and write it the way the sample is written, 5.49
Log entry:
11.49
